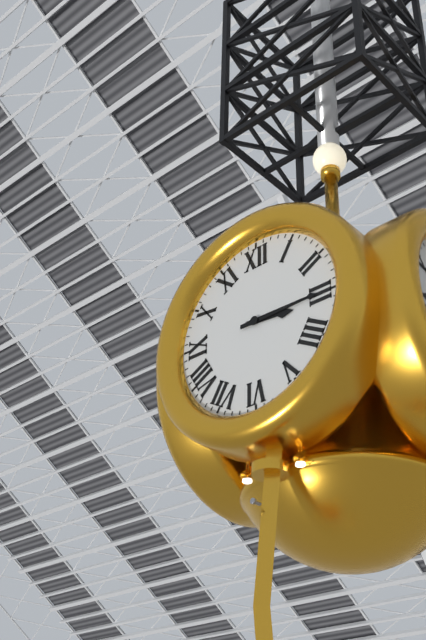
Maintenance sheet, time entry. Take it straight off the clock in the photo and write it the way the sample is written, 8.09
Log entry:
3.15
